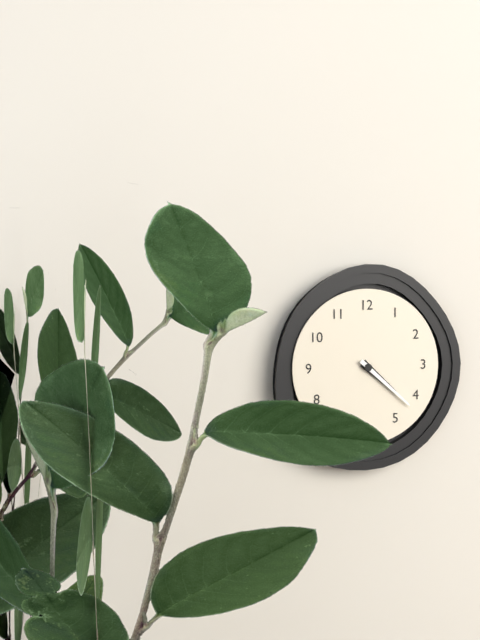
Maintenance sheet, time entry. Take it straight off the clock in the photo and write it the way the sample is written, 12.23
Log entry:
4.22
